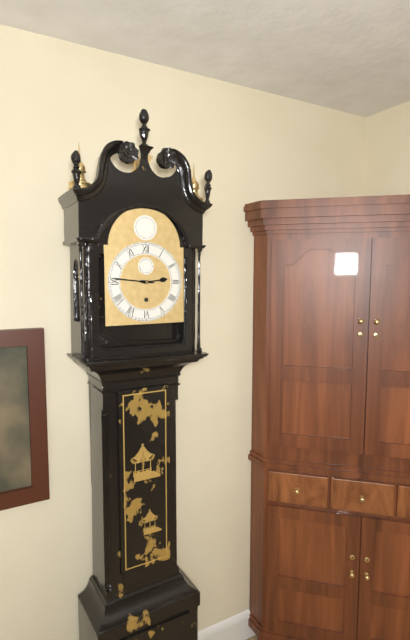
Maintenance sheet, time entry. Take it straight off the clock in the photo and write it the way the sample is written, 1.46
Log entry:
2.46
